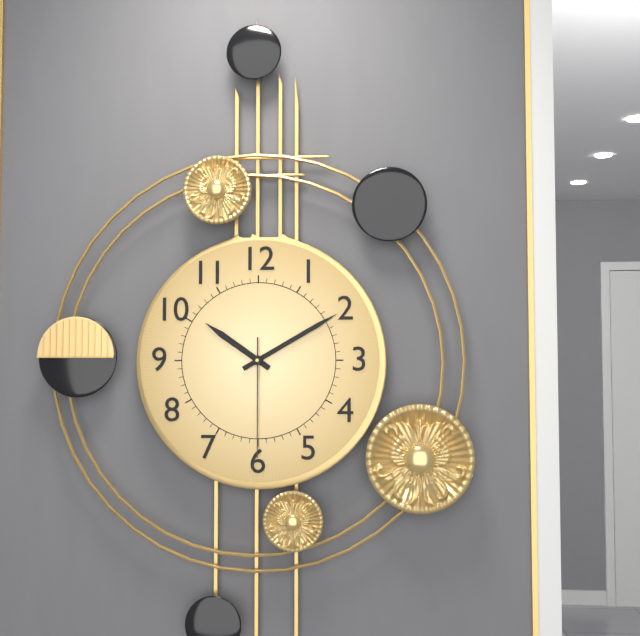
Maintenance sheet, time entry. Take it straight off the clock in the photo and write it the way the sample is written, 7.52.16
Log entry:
10.10.30
